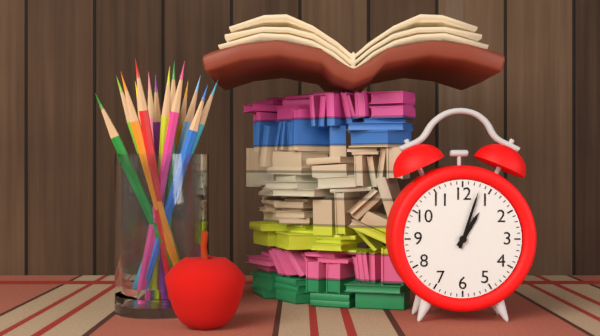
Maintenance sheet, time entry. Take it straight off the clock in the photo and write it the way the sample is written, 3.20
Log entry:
1.03
